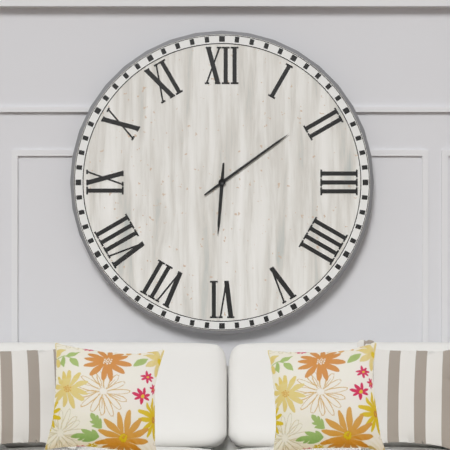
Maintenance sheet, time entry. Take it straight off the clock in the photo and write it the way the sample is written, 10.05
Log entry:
6.09
